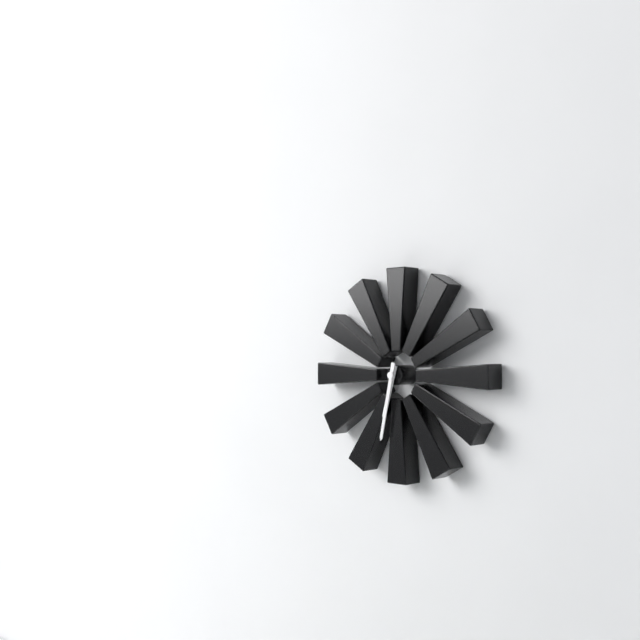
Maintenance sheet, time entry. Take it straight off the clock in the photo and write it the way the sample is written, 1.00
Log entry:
6.32
